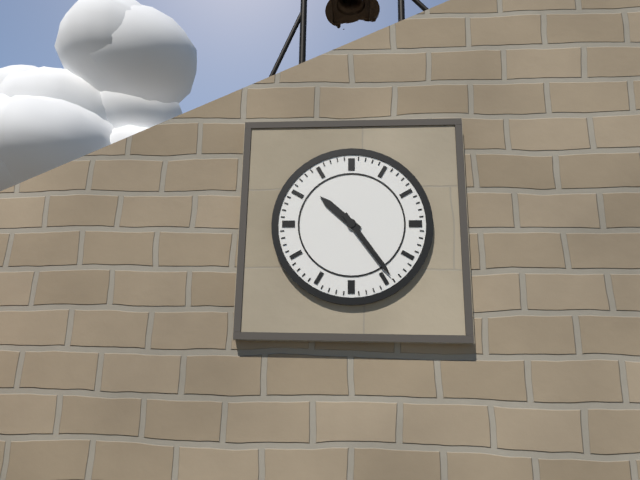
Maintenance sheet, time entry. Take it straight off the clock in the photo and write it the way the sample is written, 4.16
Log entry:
10.24
